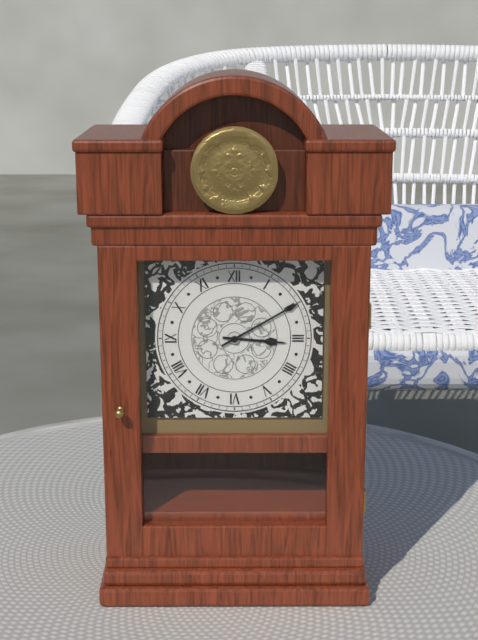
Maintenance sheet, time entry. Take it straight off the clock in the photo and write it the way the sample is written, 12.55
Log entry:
3.10
